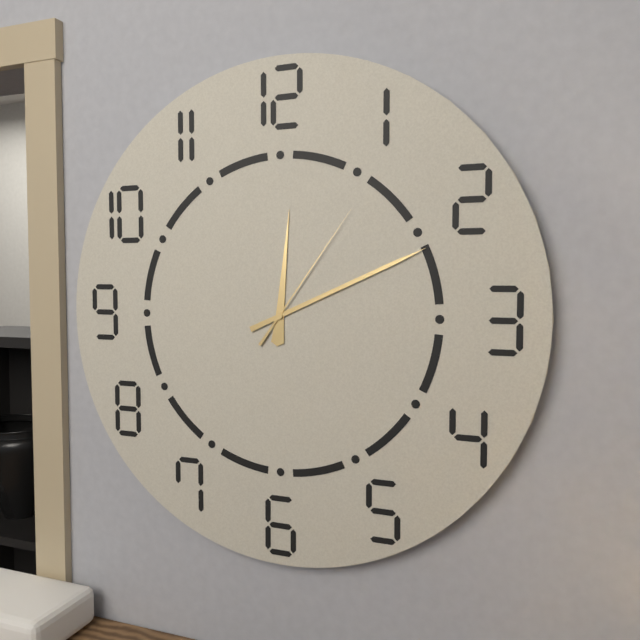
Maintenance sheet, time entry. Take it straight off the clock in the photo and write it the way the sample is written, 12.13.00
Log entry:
12.11.06
